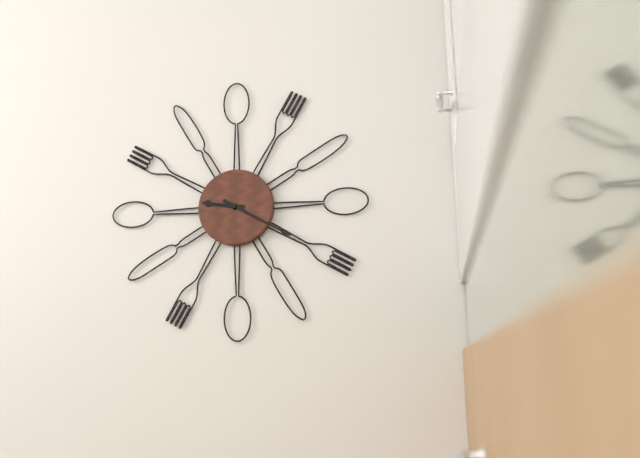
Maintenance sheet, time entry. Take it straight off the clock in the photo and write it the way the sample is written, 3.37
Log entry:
9.20
